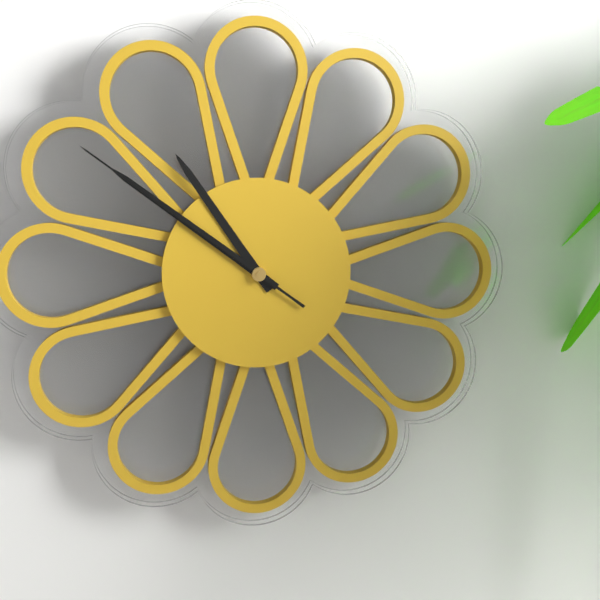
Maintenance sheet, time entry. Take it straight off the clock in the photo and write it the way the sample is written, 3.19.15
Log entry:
10.51.51
